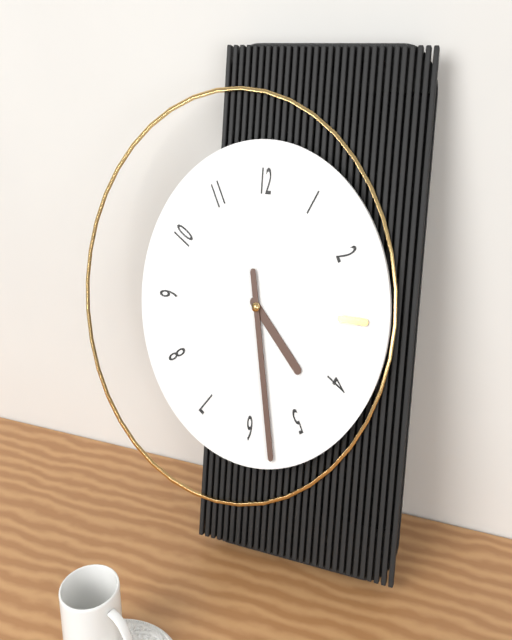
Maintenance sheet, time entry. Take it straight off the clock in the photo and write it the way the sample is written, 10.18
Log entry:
4.28
